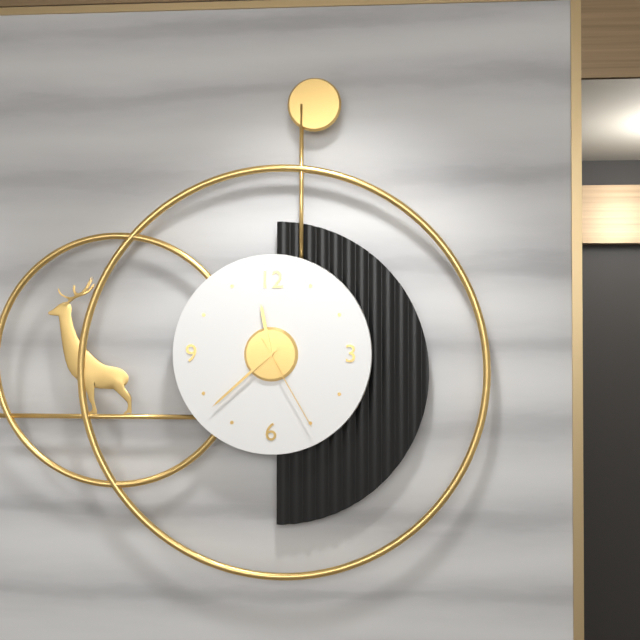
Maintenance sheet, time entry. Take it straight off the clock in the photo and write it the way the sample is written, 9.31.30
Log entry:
11.38.25
